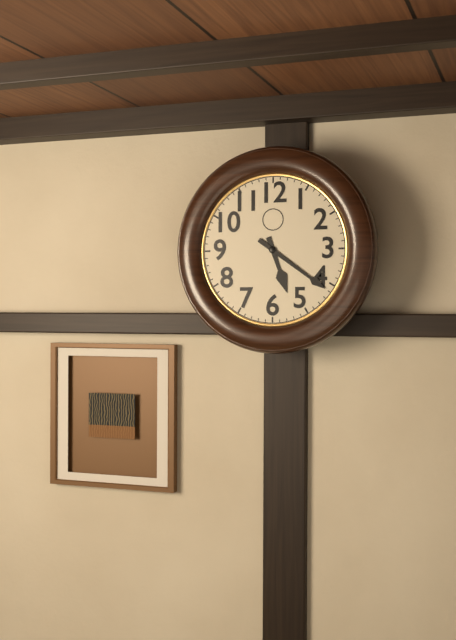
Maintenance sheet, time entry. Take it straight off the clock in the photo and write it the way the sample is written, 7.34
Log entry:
5.21
